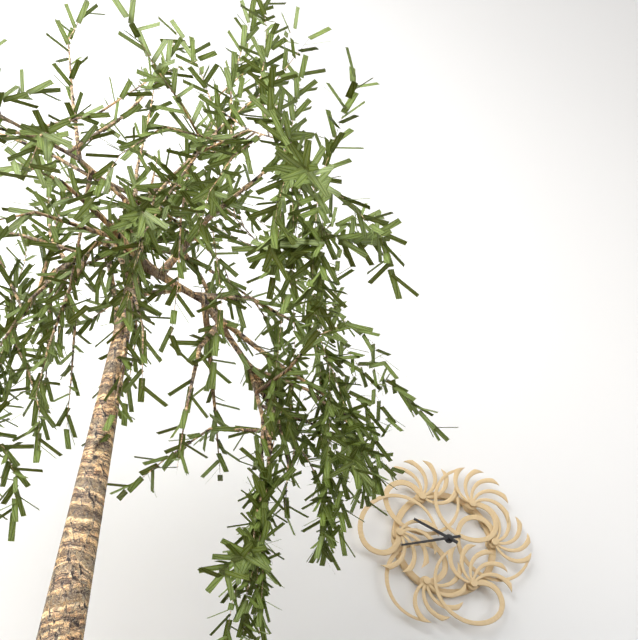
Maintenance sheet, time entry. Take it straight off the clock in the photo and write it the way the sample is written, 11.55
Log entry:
9.42
